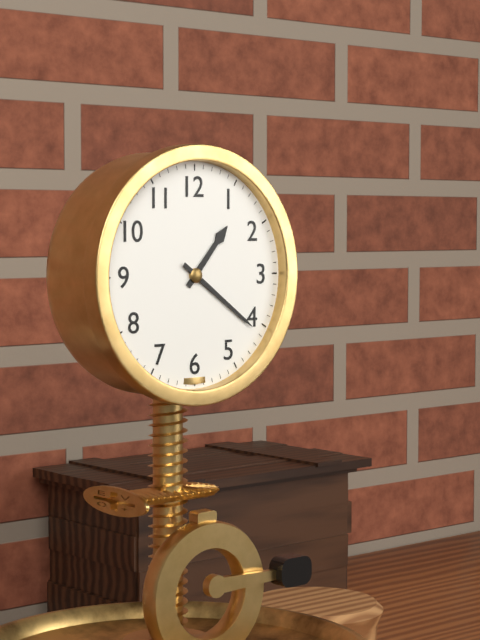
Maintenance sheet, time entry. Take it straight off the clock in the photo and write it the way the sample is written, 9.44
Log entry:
1.21
